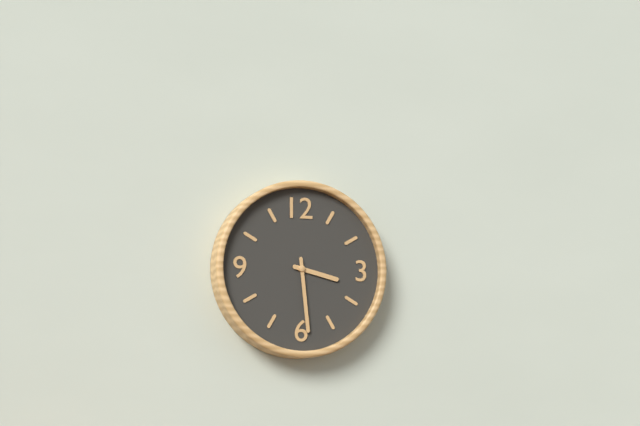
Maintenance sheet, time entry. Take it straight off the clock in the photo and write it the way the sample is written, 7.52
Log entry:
3.29
